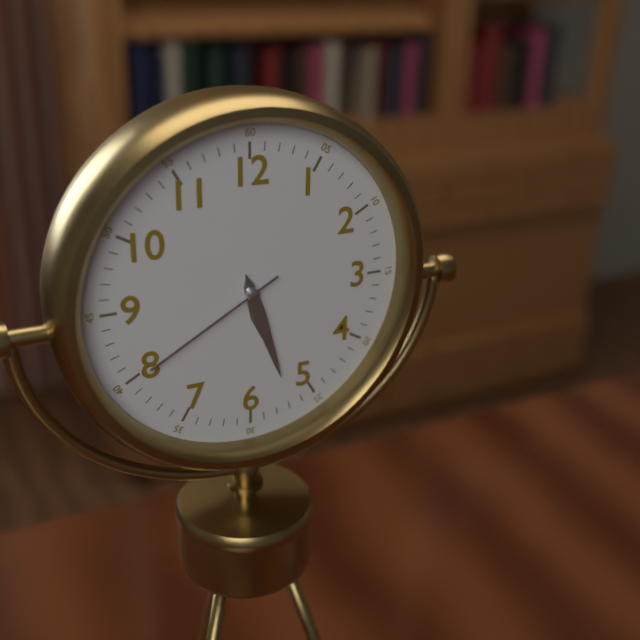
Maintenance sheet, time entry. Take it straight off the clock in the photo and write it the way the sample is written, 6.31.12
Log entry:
5.27.40
